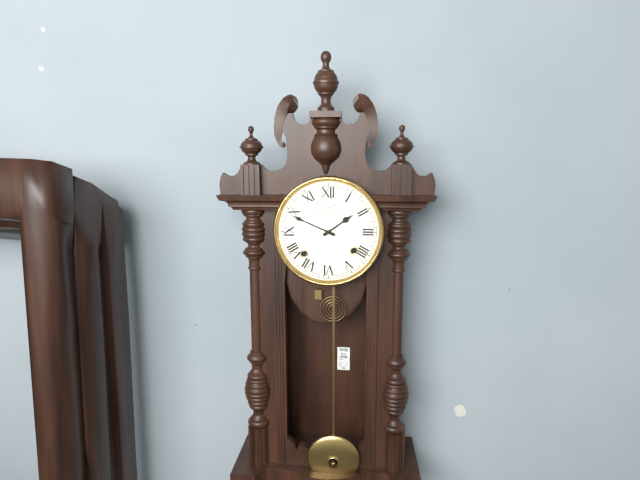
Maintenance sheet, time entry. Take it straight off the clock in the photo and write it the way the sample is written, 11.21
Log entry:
1.49
